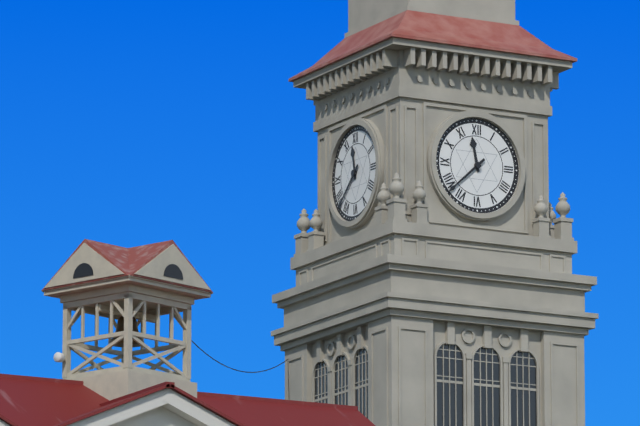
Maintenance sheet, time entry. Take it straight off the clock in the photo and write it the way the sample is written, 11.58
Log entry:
11.38
